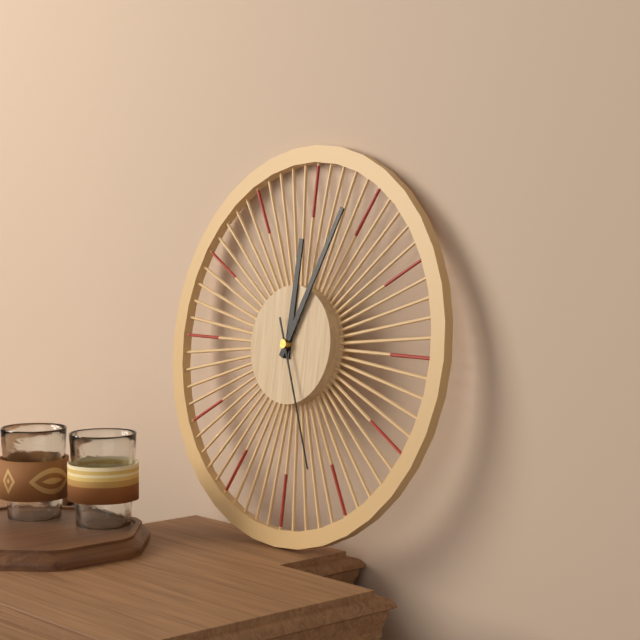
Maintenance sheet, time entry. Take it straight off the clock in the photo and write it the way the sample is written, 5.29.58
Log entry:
12.04.26
